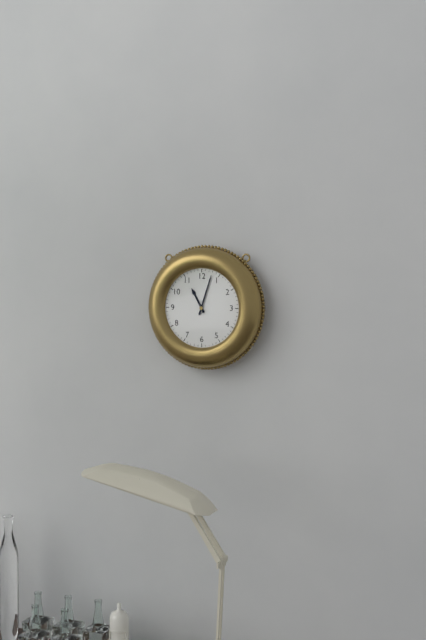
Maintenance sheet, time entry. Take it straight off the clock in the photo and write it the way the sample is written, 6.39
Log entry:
11.03
